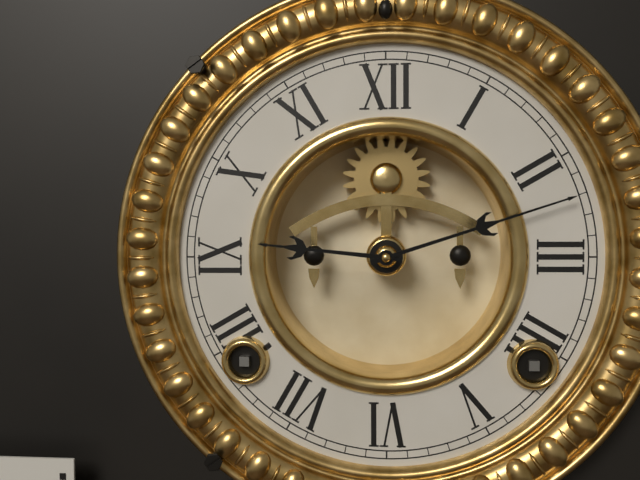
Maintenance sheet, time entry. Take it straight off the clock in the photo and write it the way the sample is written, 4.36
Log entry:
9.12
